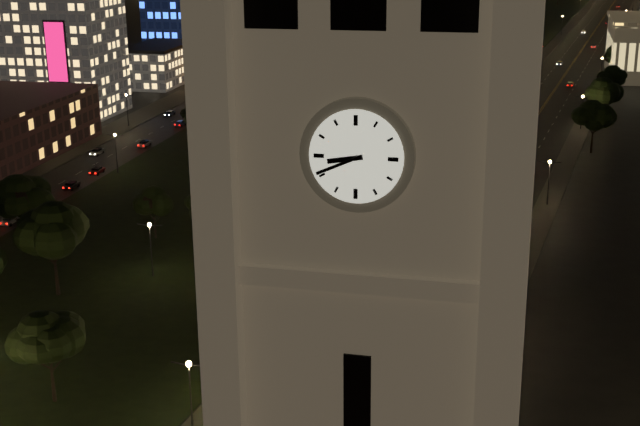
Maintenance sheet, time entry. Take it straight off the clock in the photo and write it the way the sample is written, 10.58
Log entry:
8.41
